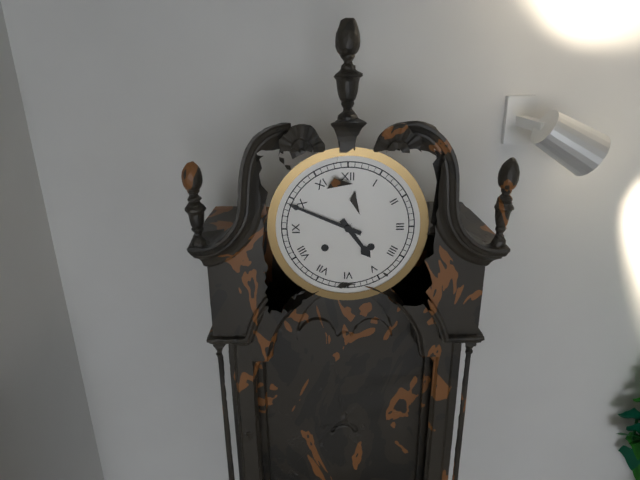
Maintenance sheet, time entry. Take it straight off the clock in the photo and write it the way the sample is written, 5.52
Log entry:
4.49
